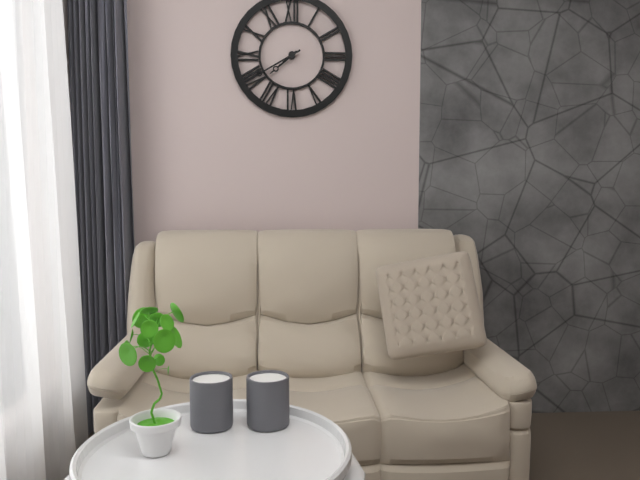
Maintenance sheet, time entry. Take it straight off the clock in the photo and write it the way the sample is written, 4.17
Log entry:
7.40
